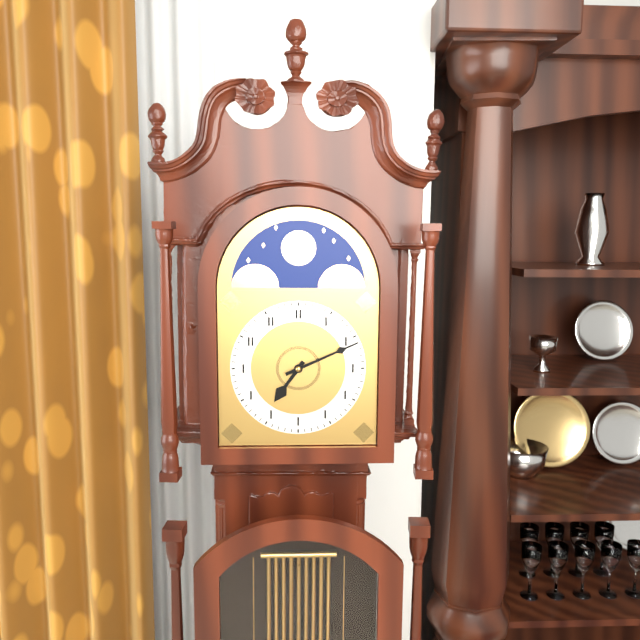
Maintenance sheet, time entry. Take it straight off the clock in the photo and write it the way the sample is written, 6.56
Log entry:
7.11
